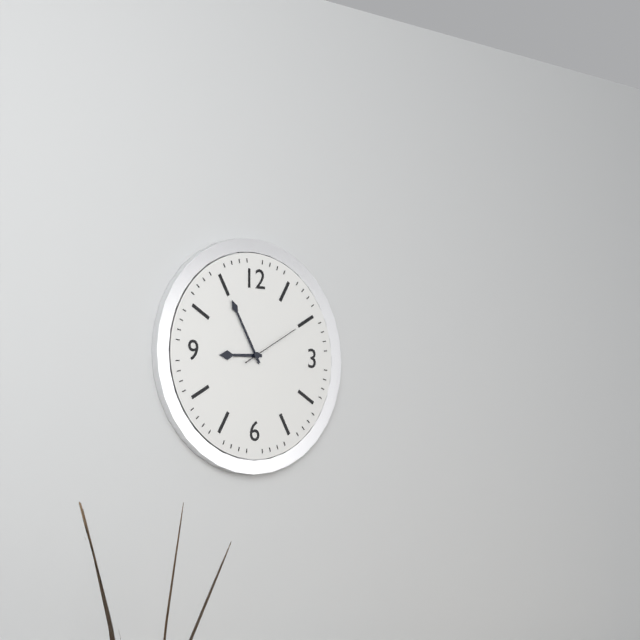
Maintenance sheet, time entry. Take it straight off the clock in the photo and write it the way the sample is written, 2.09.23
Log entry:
8.55.10
